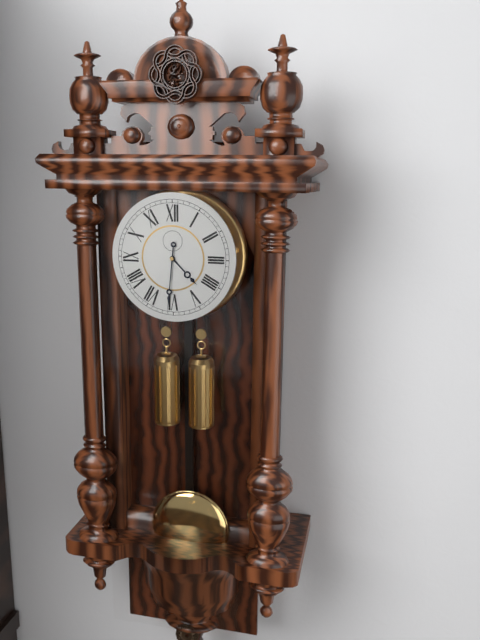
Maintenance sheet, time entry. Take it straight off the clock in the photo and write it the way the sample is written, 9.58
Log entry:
4.31
